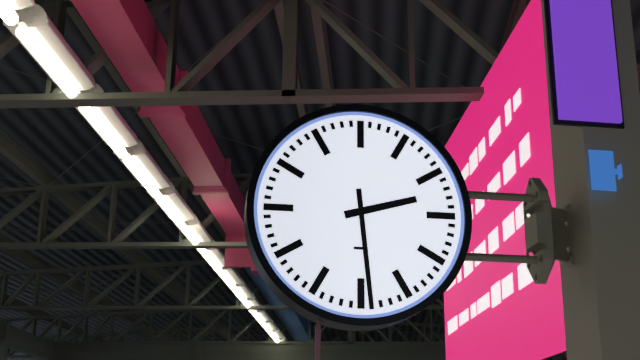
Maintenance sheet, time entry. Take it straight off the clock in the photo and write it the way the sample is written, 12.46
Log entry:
2.29
